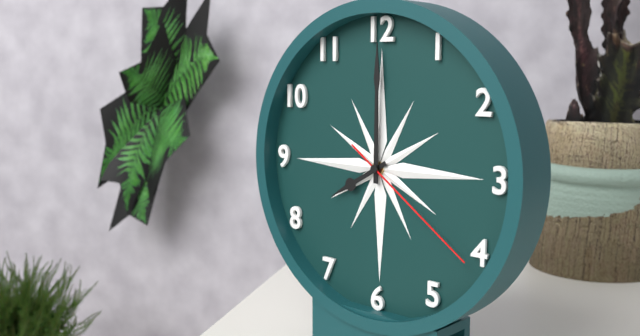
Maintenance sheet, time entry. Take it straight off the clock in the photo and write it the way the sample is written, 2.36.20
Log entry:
8.00.21
